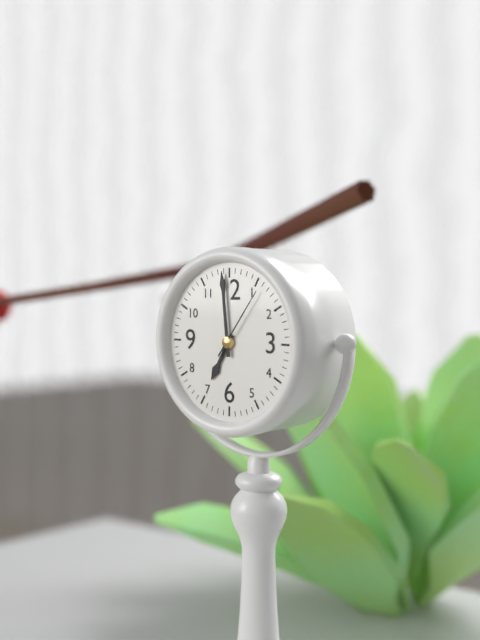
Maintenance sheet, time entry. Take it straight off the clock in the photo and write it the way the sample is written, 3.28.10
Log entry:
6.59.06
